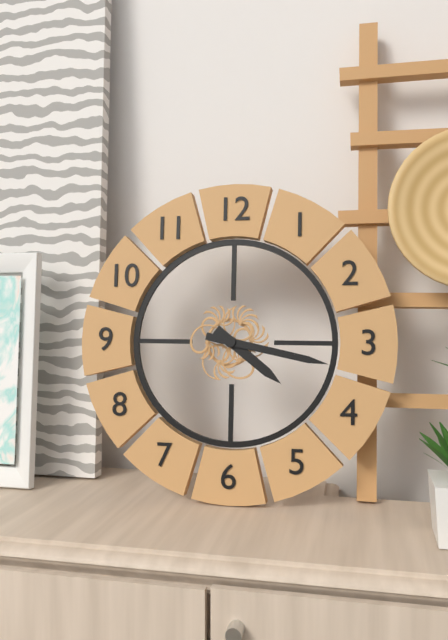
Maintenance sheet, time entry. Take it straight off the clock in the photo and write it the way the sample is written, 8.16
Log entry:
4.17
